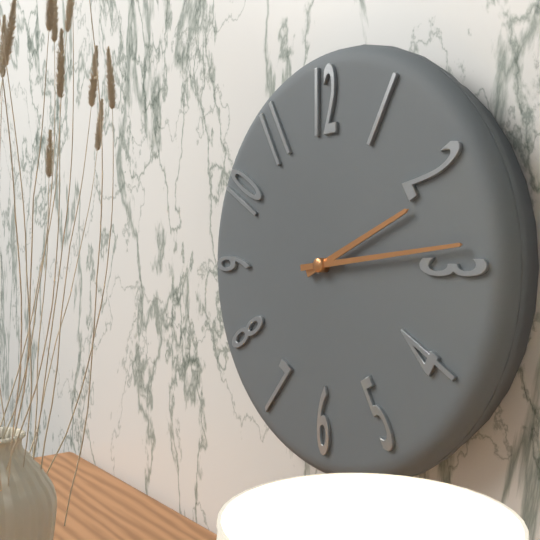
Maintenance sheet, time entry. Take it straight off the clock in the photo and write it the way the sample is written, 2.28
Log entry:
2.14
